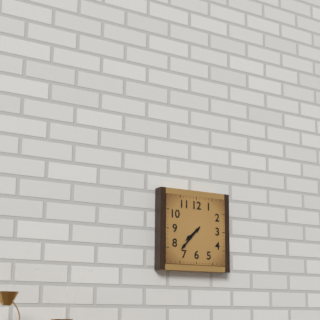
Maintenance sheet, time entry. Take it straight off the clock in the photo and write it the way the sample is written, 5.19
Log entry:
7.37
